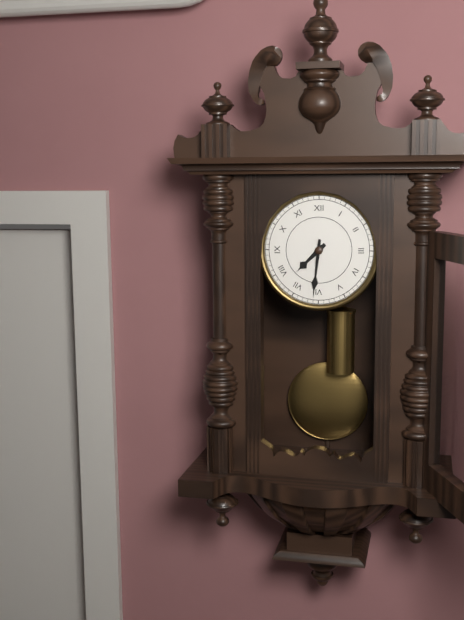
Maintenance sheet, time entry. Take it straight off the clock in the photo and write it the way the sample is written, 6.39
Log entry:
7.31
